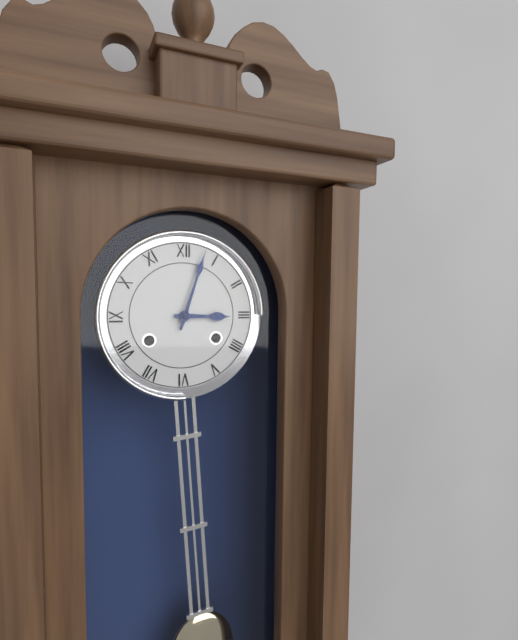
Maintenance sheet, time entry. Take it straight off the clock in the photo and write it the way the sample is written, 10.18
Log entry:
3.03
